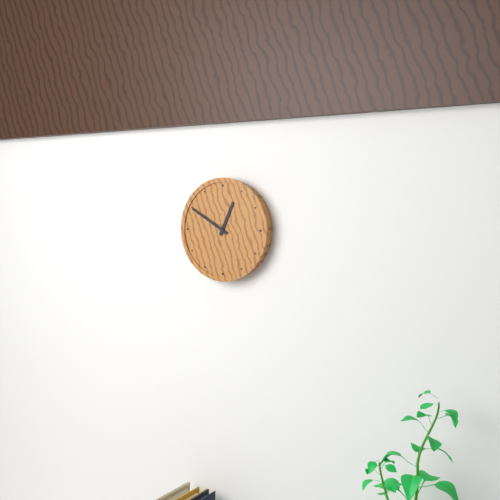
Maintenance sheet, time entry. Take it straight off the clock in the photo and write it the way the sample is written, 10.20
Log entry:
12.50
